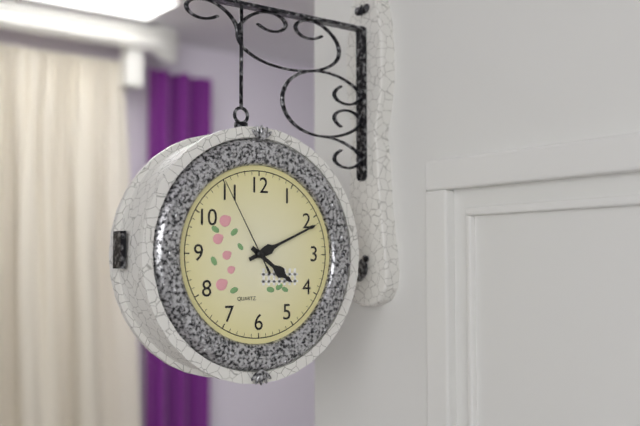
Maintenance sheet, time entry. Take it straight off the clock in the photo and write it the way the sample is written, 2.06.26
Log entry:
4.11.55
